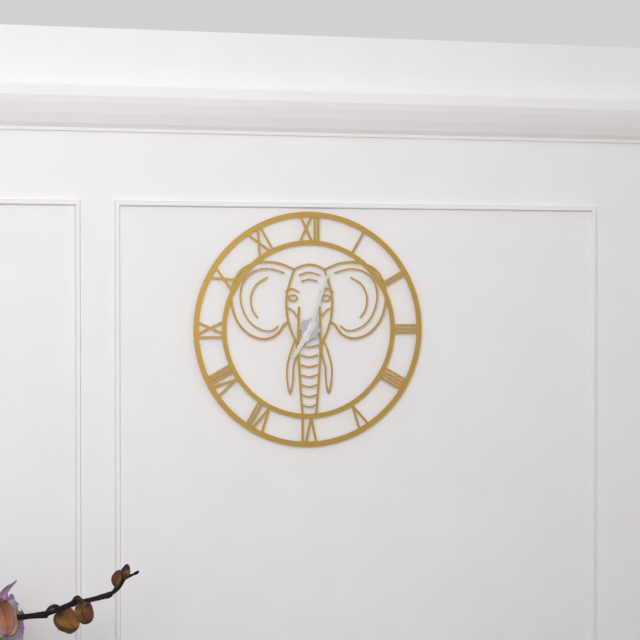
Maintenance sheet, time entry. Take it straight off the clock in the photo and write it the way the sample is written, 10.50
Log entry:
7.03
